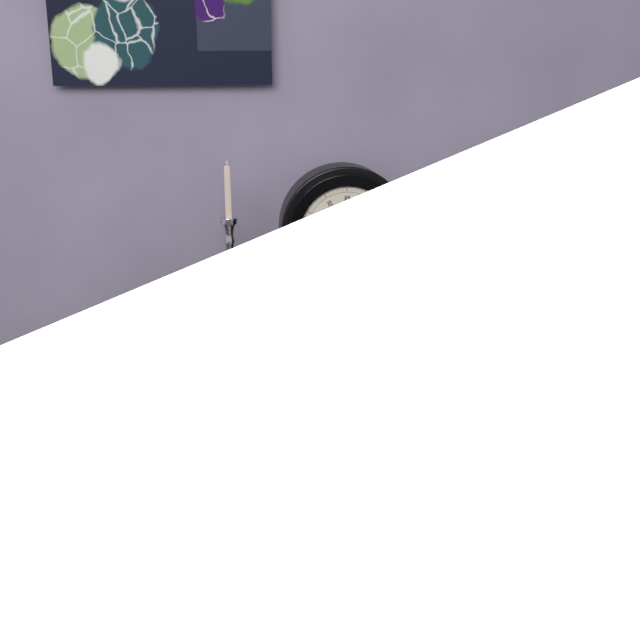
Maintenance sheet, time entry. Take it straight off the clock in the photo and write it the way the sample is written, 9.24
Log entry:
10.10
